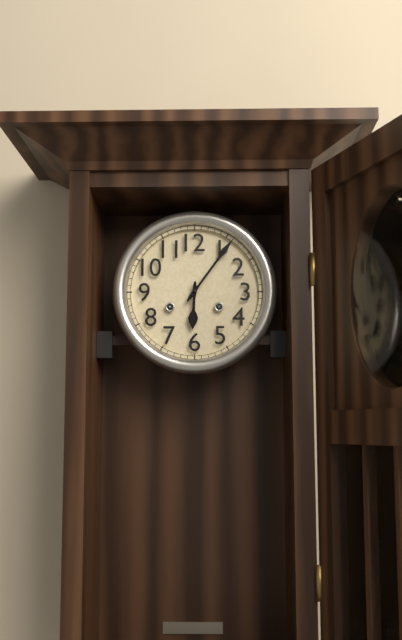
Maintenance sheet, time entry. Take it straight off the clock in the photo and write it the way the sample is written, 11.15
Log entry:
6.06
